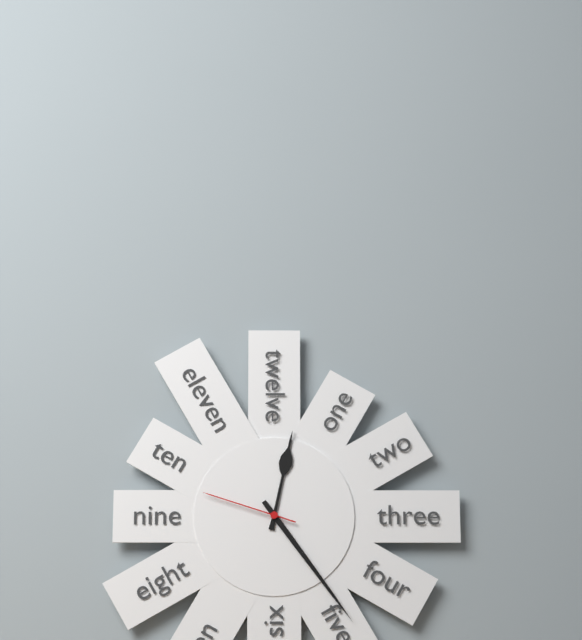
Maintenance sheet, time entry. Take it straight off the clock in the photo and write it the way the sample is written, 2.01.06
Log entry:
12.24.48
